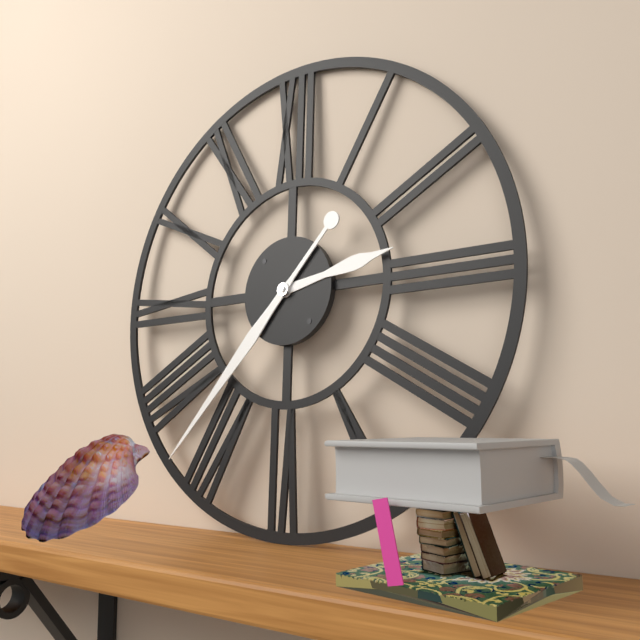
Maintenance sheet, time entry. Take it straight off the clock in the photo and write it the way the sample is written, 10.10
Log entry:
2.37
